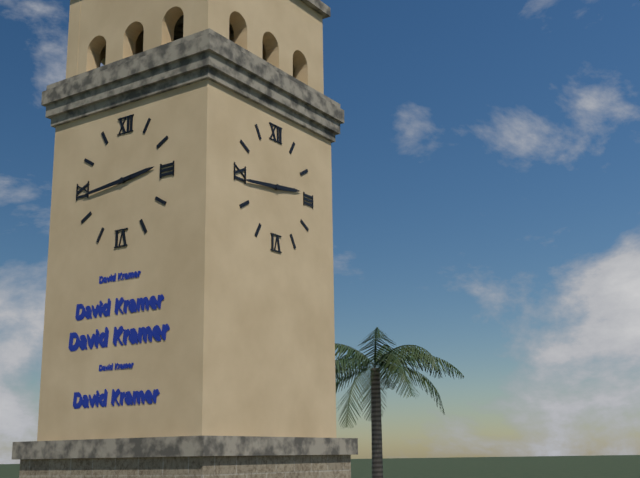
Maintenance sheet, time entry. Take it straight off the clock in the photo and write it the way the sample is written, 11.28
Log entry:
2.44
